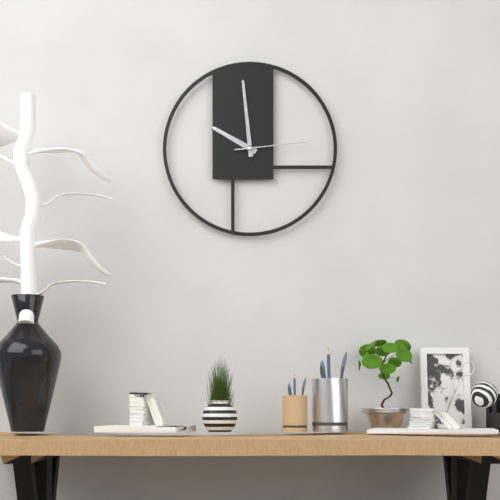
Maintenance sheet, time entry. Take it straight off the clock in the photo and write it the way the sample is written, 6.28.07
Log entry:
9.59.14
